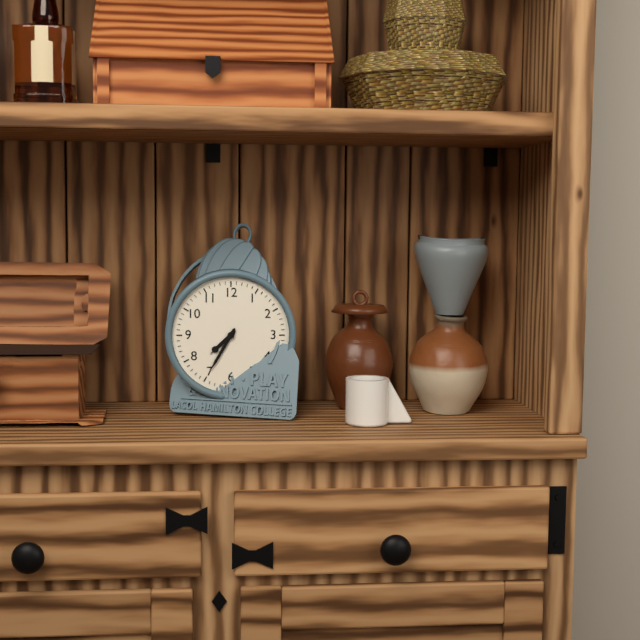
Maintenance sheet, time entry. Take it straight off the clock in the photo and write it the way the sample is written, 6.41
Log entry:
7.35
